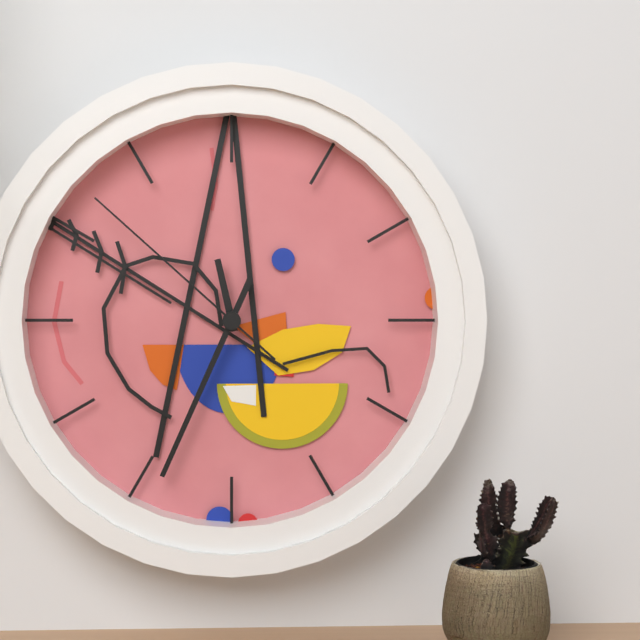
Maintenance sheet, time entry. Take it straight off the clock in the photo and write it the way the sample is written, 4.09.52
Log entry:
11.34.52
